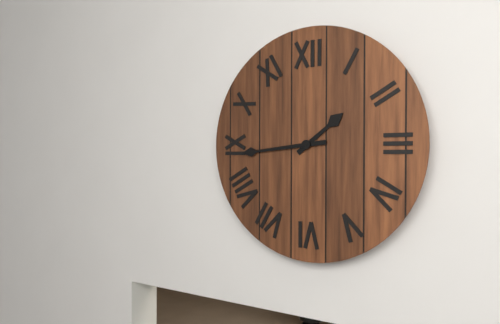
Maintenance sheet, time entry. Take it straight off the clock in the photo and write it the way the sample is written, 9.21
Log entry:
1.44
